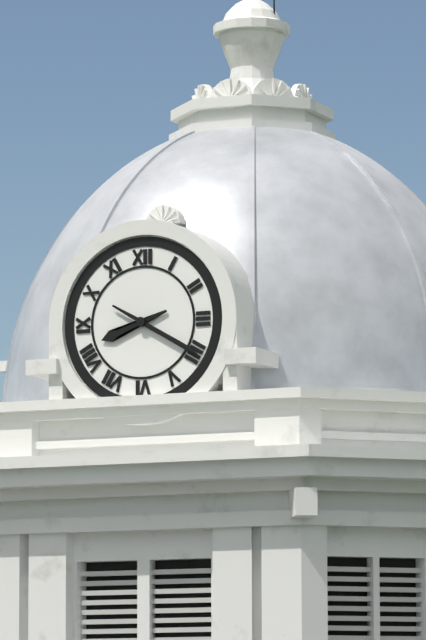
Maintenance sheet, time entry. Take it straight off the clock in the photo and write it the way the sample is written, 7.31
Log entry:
8.20
